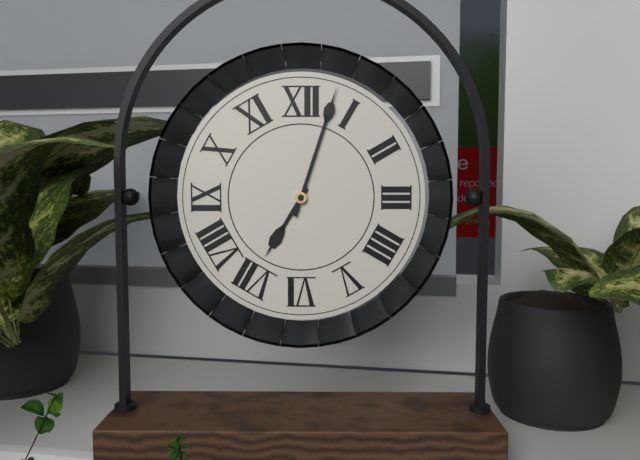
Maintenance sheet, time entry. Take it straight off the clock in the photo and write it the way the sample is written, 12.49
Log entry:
7.03
